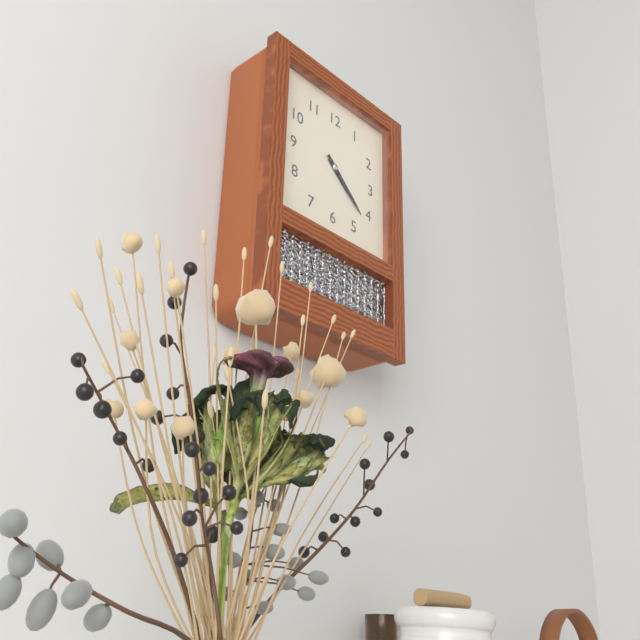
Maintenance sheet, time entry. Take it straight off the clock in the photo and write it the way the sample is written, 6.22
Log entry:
4.22
